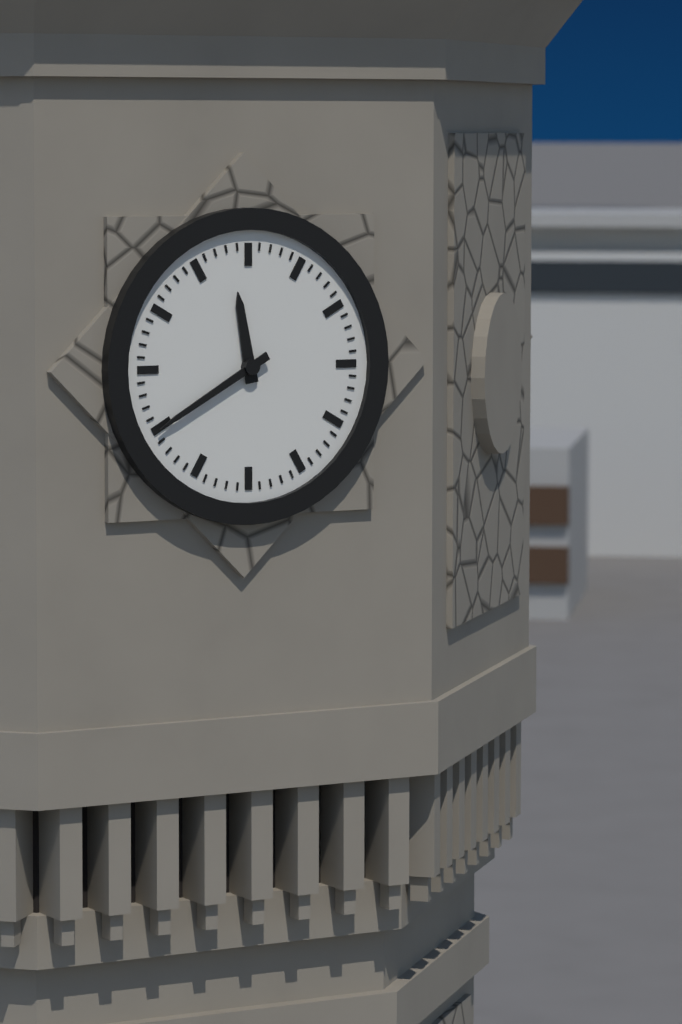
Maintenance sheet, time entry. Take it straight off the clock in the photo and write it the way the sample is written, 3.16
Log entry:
11.40
